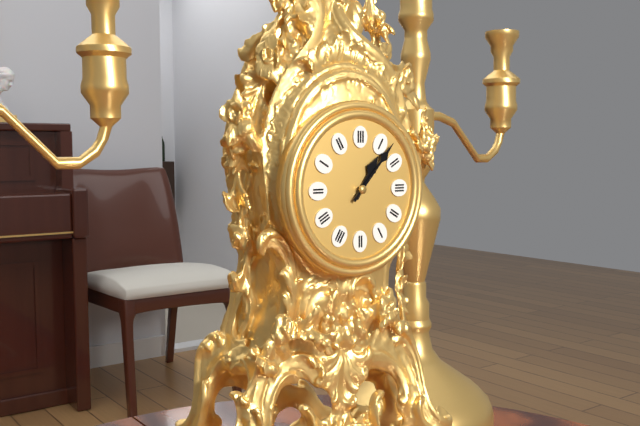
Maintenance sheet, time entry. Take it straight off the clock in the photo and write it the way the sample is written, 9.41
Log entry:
1.07
